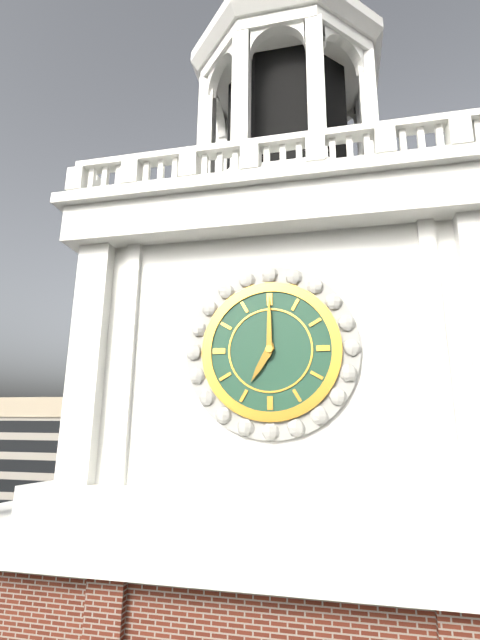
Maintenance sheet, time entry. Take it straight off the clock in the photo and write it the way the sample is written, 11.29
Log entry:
7.00
